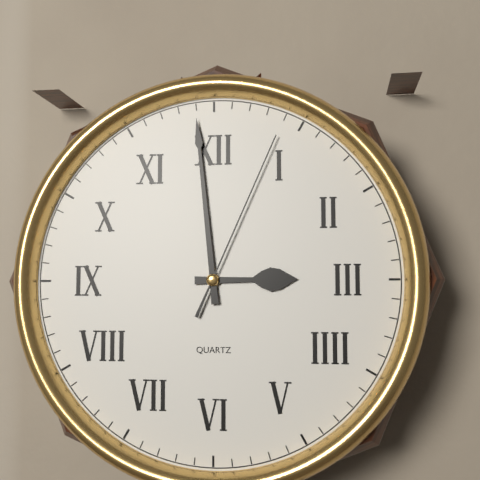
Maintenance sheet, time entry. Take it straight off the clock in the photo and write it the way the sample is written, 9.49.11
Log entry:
2.59.04
